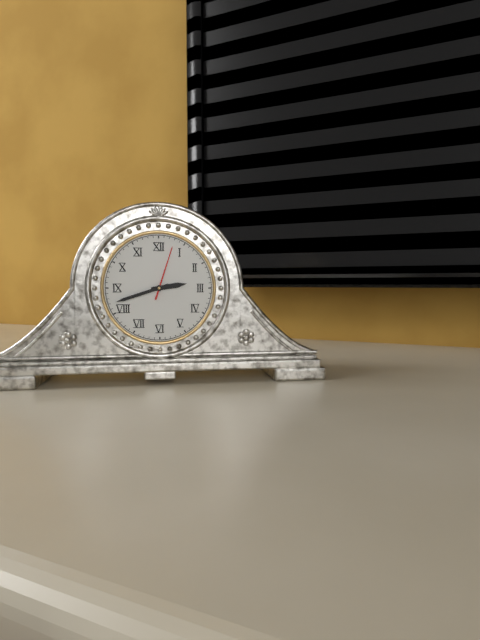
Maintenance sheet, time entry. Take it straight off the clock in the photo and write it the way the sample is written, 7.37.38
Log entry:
2.42.03
